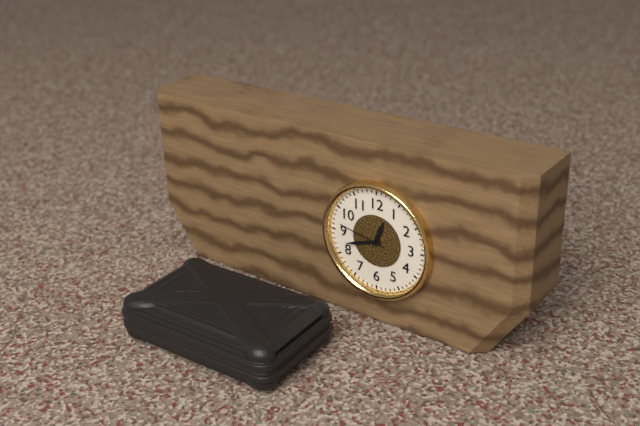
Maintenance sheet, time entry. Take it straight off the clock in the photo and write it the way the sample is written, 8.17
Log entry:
12.42
